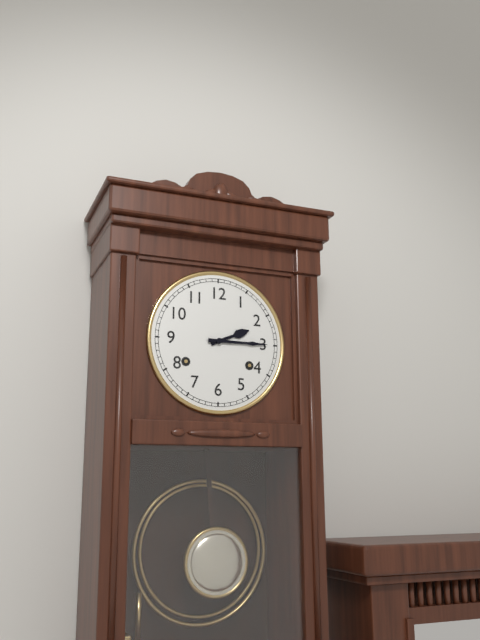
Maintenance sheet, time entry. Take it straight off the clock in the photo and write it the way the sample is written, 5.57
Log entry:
2.15
